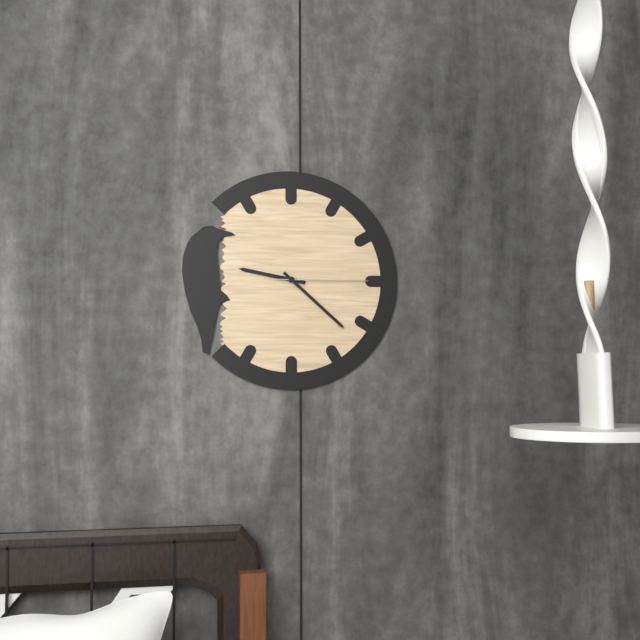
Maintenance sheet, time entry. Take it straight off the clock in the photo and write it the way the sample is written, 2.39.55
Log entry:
9.22.15
